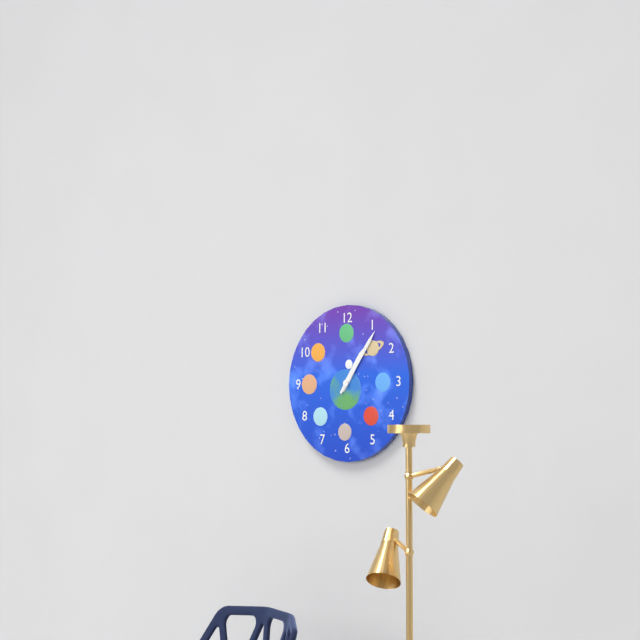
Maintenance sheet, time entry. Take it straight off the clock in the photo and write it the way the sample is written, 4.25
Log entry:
1.06
